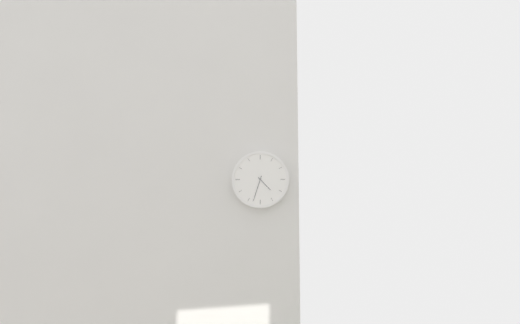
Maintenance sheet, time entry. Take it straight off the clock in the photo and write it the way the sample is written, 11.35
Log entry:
4.33
